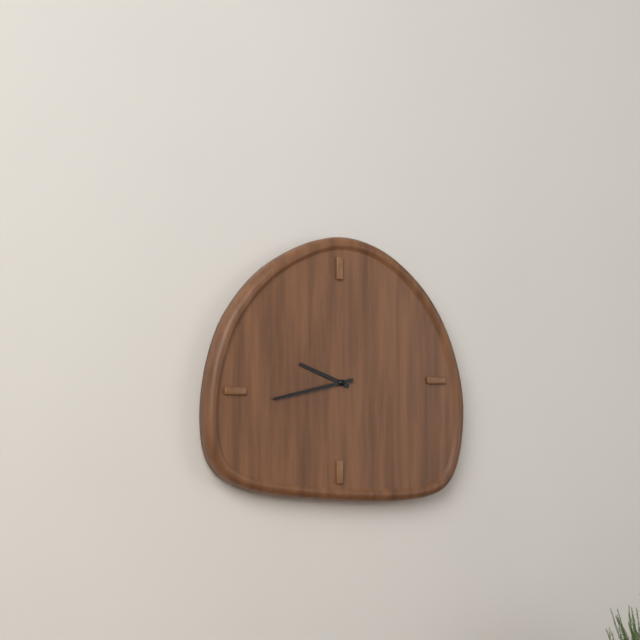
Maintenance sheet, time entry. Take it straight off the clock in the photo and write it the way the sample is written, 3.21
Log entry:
9.43
